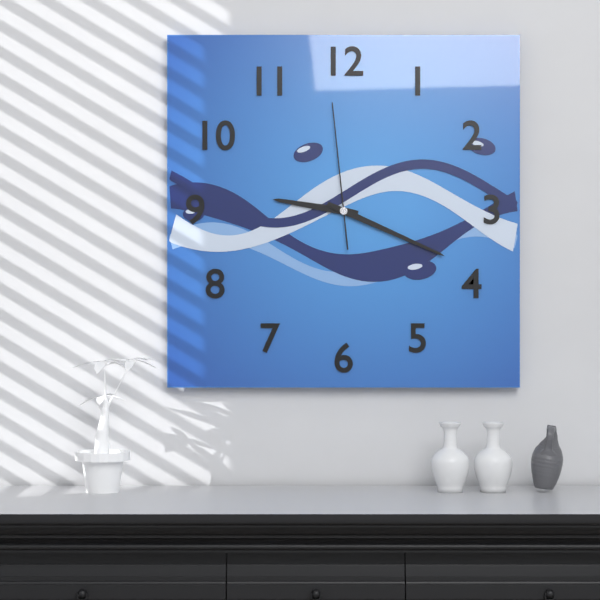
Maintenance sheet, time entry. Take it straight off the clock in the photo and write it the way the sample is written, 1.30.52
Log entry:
9.19.59
